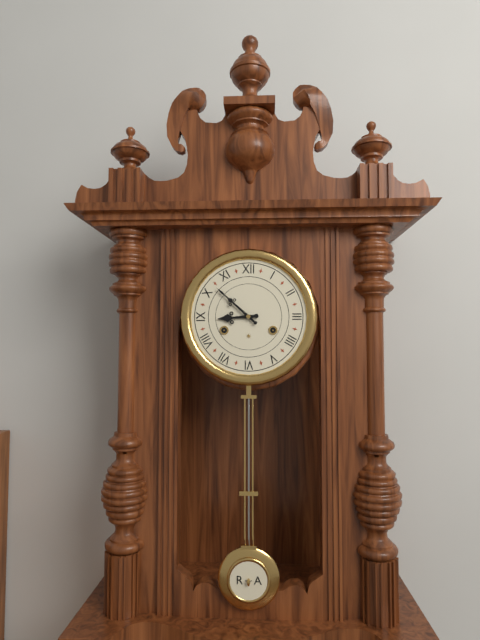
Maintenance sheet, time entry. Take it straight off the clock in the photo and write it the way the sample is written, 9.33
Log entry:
8.52
